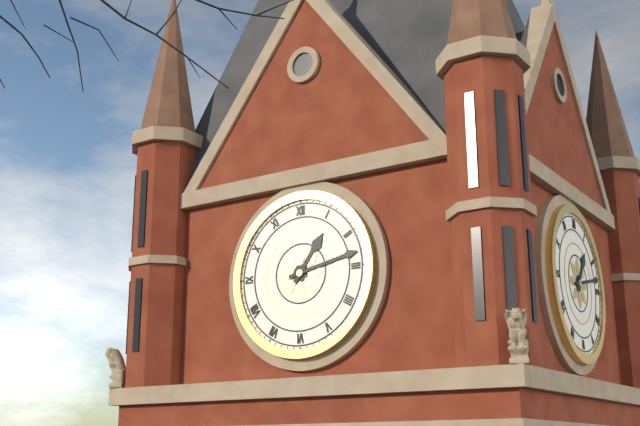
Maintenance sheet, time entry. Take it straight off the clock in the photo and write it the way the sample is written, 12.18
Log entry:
1.13
